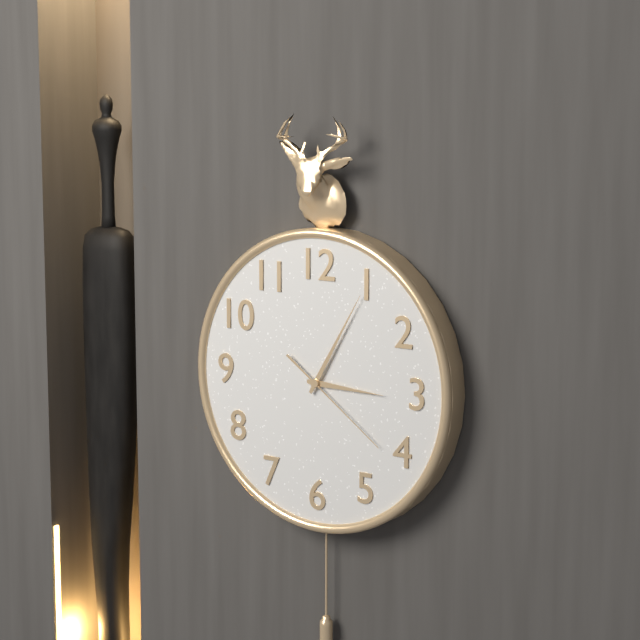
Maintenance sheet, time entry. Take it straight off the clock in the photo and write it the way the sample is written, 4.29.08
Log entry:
3.05.21
